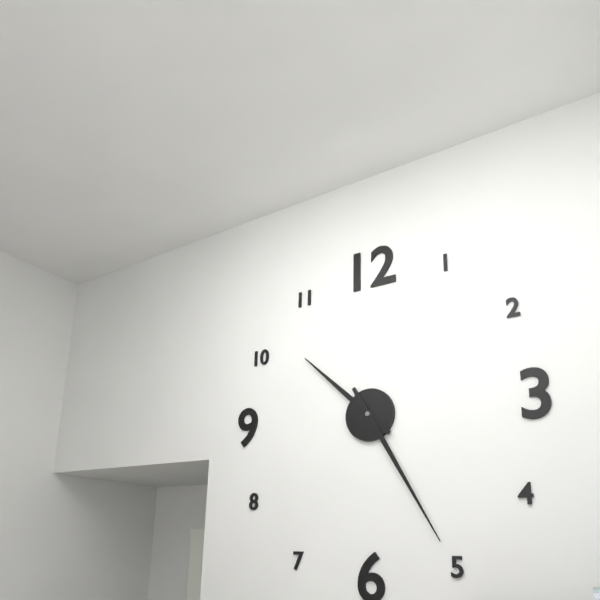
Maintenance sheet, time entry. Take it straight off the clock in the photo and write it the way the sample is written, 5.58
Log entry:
10.25
